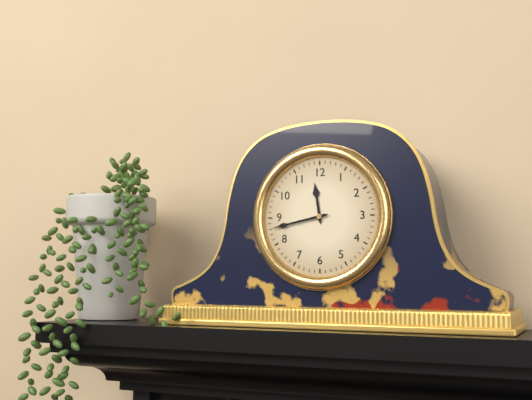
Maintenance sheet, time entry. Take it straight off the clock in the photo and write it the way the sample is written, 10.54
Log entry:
11.43
